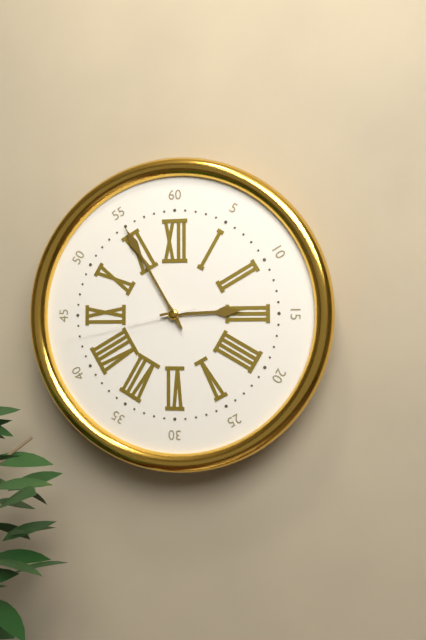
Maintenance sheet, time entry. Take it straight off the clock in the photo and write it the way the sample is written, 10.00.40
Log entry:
2.55.43
